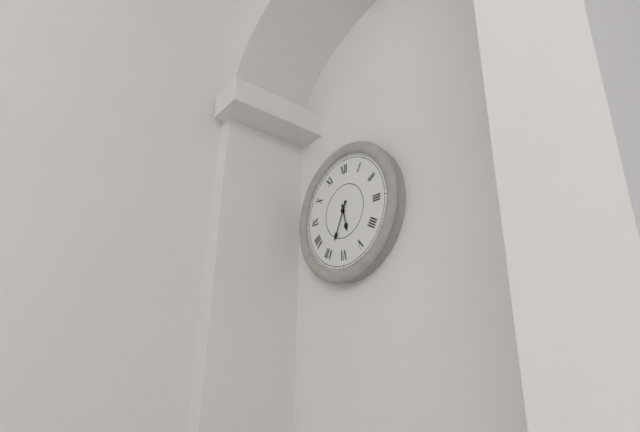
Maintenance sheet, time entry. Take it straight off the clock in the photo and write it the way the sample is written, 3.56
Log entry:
5.34
